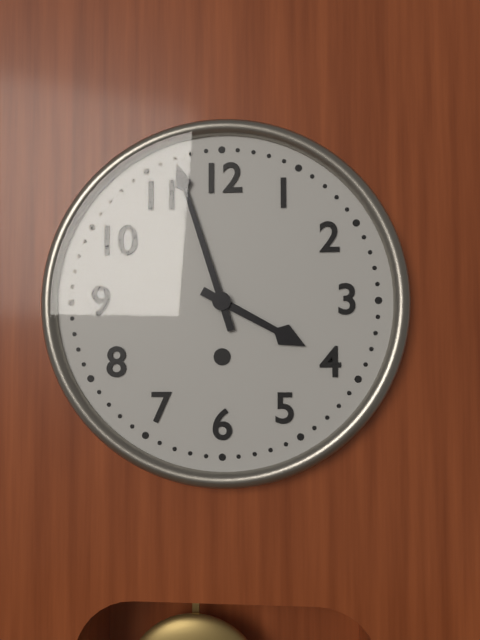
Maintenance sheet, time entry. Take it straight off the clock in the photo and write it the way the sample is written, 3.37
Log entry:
3.57
